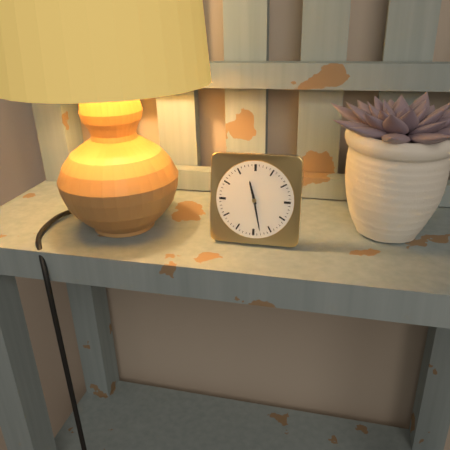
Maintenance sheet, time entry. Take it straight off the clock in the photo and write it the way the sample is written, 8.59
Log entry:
11.28
